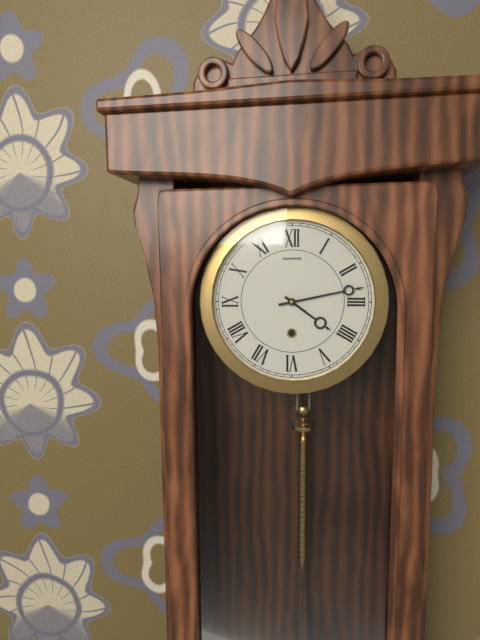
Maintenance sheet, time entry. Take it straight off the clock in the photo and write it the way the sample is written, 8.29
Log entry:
4.13
